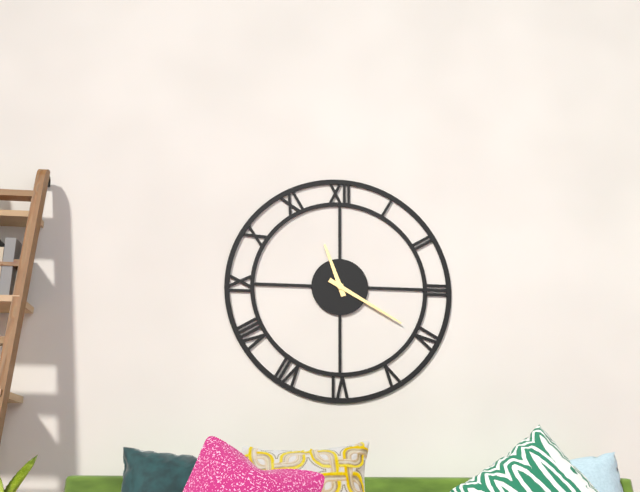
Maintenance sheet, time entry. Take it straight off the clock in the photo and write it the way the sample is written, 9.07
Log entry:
11.20
